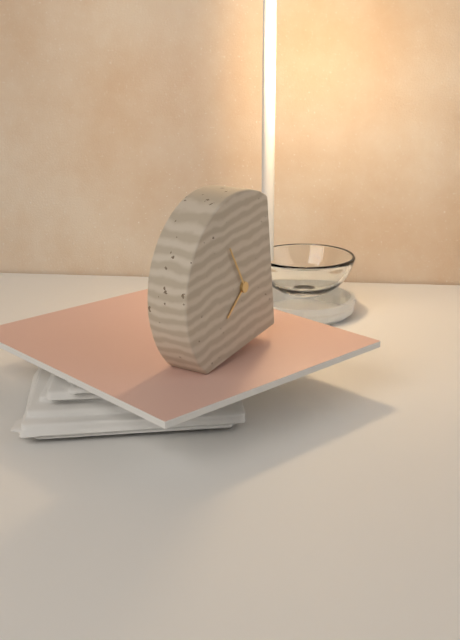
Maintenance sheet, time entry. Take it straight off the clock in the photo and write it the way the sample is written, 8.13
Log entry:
7.56
